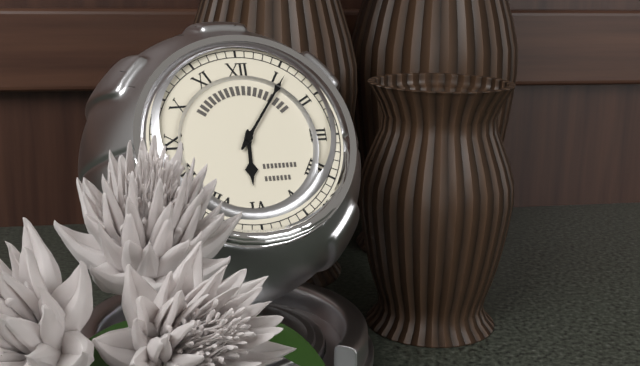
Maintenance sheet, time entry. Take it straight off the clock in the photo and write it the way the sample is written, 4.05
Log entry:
6.06
